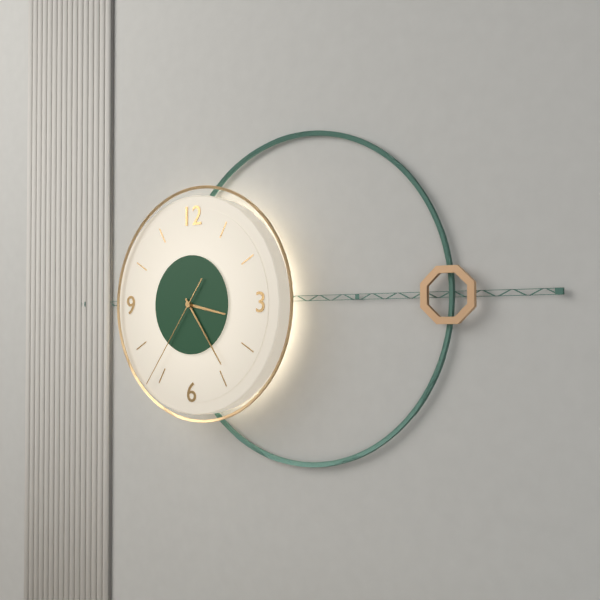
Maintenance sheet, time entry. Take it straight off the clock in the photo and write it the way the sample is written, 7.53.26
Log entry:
3.24.36
